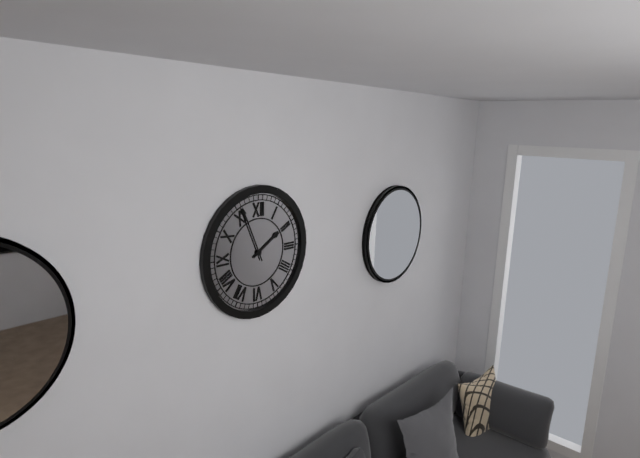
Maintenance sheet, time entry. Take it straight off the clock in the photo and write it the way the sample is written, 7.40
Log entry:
1.56
